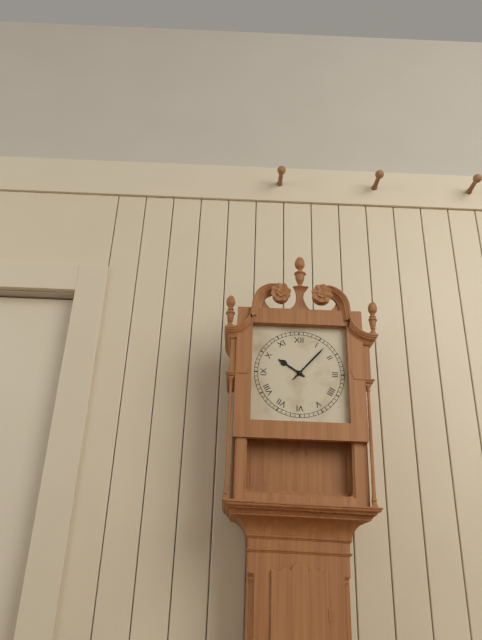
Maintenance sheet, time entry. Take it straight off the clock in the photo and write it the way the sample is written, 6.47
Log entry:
10.07
